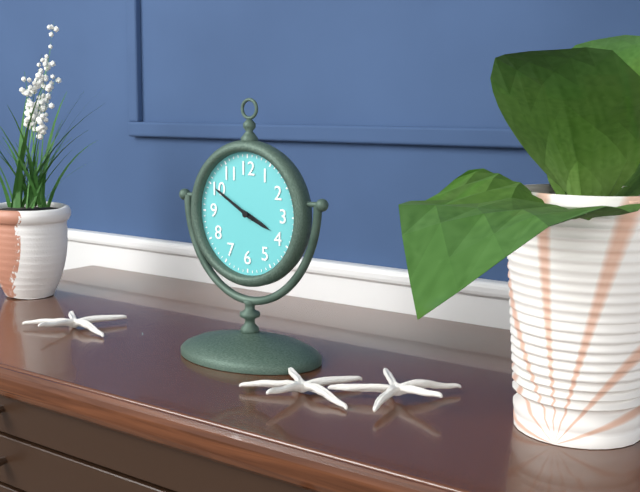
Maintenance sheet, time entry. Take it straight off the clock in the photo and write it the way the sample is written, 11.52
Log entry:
3.50
